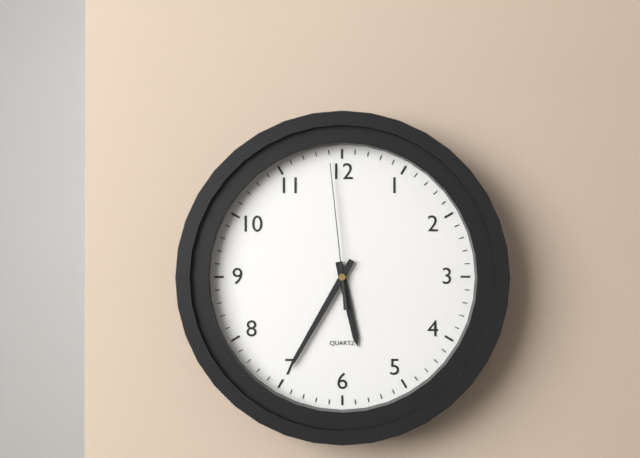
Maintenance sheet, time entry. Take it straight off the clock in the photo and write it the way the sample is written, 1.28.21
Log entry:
5.35.59
